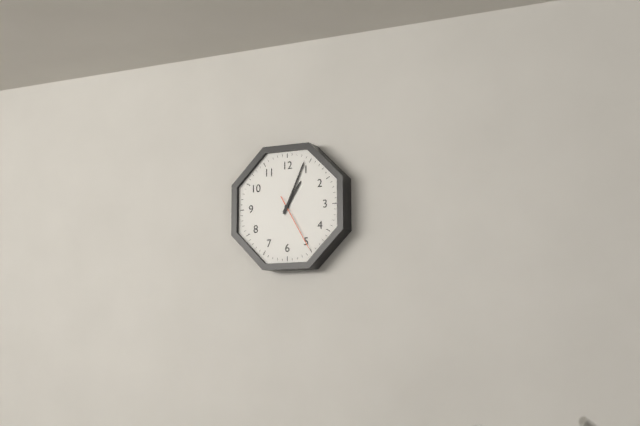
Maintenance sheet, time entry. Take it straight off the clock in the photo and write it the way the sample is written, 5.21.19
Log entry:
1.04.25
